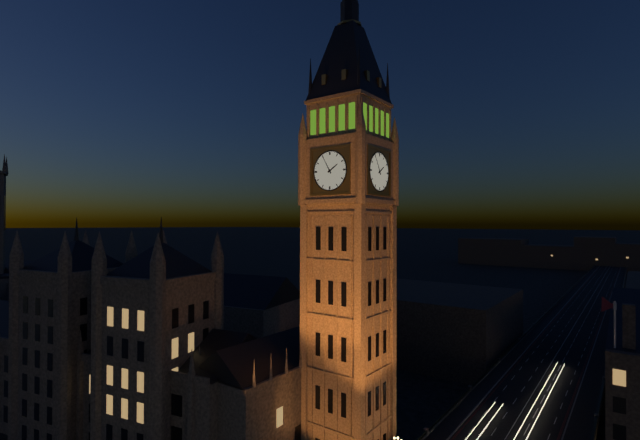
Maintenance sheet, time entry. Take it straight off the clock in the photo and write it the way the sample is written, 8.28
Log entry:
1.55
